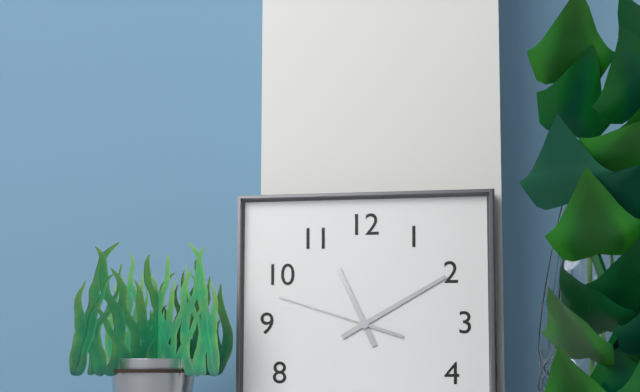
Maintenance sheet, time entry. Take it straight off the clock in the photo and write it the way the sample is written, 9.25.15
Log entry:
11.10.48
